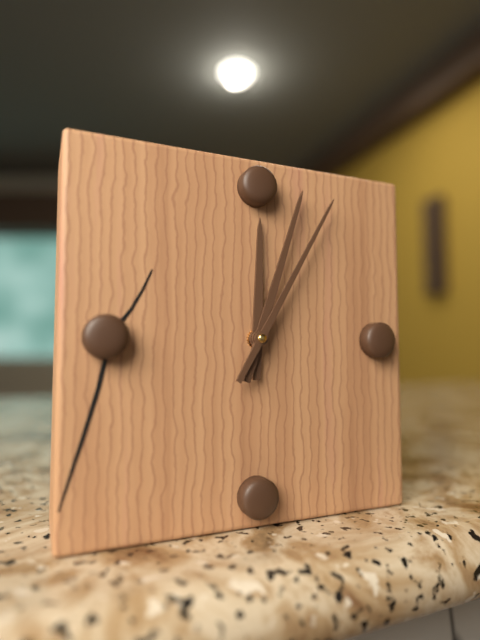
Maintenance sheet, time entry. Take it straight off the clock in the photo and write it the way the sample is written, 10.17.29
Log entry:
12.03.05
